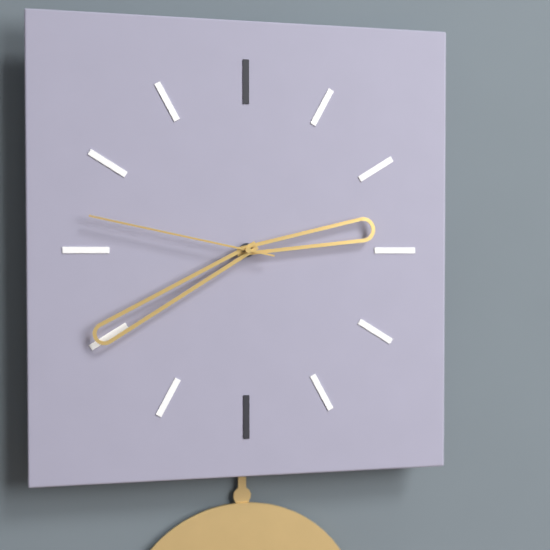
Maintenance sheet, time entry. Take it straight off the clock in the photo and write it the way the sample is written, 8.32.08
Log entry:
2.40.47
